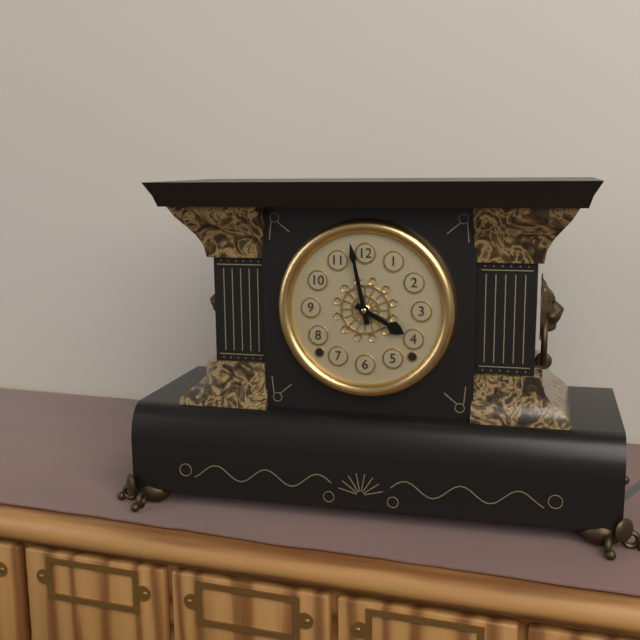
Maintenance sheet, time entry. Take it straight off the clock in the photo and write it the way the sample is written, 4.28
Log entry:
3.58
